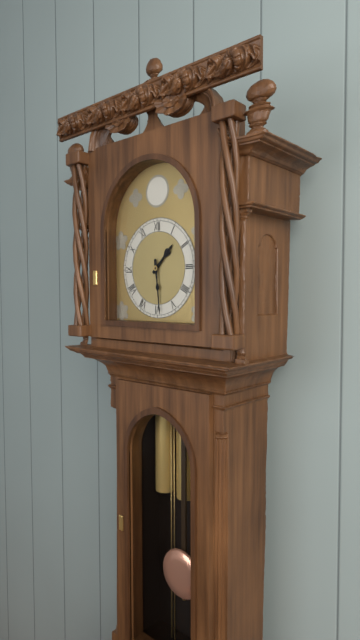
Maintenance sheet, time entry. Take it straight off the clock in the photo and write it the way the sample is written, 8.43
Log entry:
1.29
